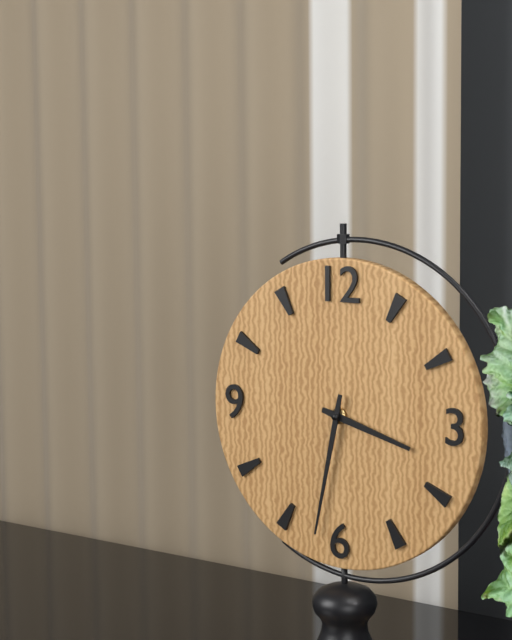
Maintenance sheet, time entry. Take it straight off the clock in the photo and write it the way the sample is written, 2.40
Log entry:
3.32
